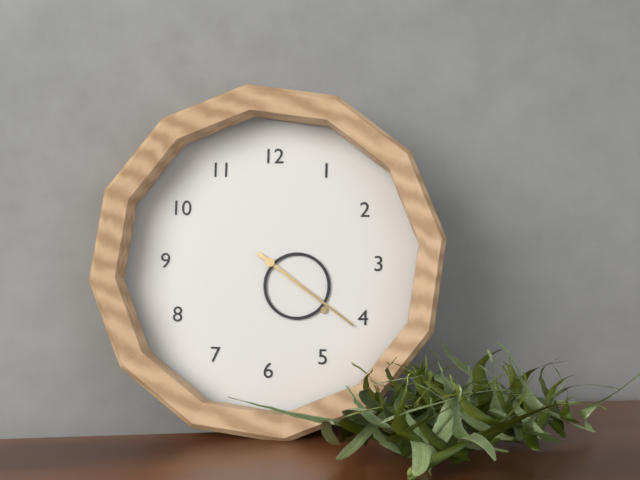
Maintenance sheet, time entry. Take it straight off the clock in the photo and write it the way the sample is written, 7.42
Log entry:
4.21
